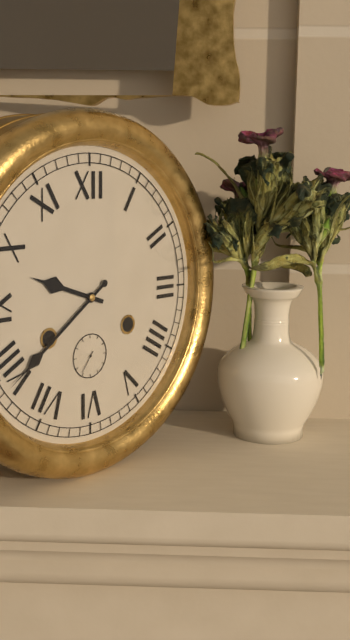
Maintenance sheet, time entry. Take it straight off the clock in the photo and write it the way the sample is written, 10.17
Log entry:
9.39
